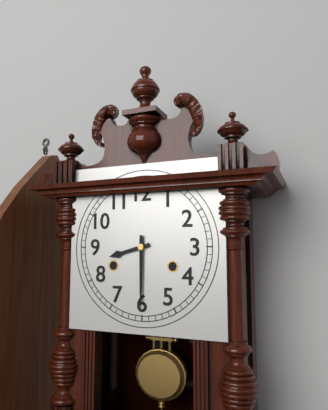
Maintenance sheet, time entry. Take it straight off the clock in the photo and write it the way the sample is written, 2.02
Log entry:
8.30
